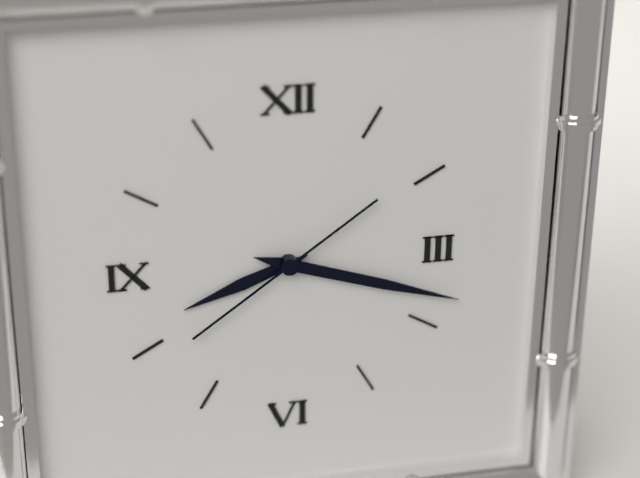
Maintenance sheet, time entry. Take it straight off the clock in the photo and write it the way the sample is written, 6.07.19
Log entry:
8.18.39
